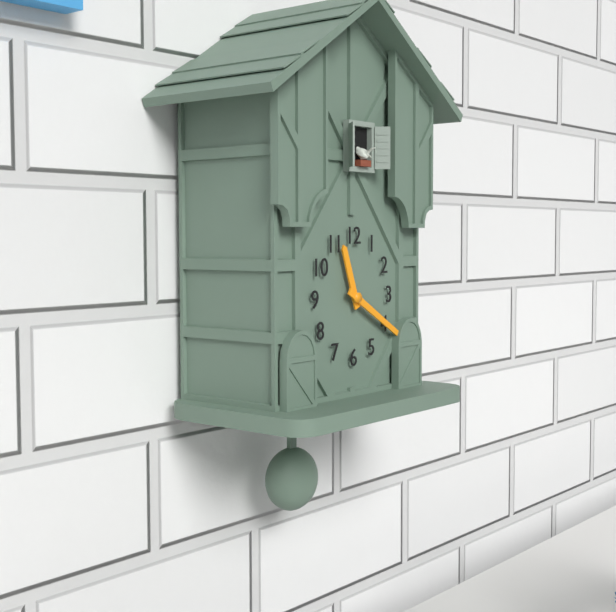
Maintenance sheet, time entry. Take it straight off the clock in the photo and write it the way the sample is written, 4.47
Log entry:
11.20
